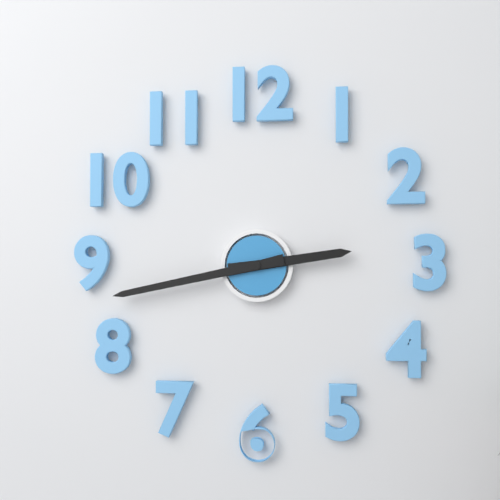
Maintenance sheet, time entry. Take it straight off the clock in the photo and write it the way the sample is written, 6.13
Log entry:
2.43
